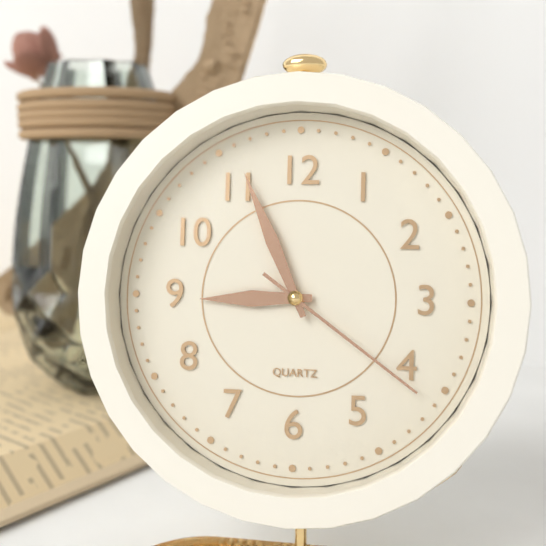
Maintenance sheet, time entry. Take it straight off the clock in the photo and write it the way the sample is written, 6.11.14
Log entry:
8.56.21
